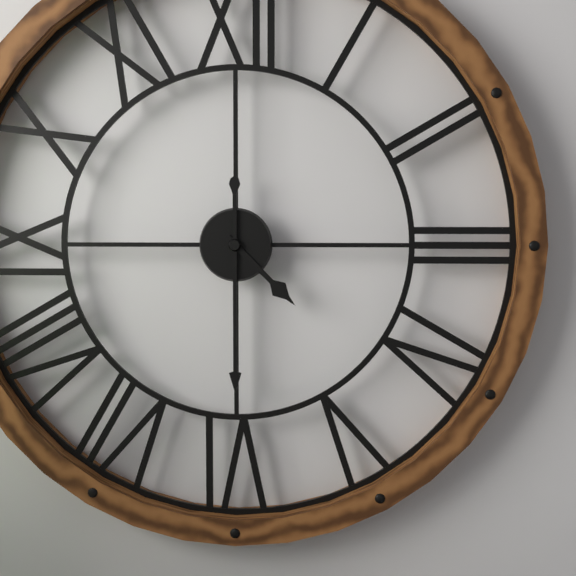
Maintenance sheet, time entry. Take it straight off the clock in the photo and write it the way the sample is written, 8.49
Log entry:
4.30
